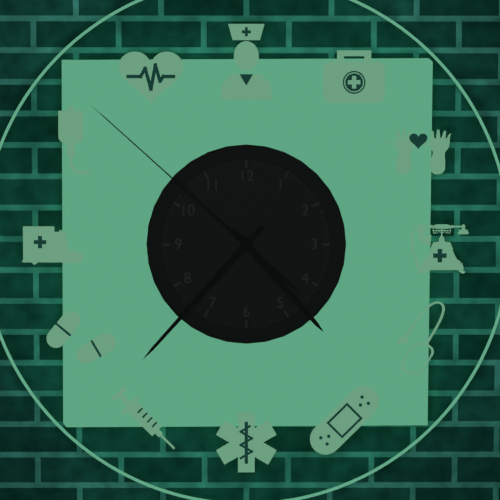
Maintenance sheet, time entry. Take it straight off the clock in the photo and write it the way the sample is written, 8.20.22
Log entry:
4.37.52
